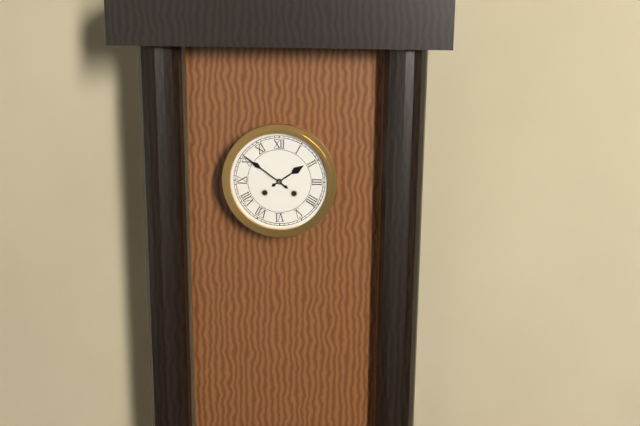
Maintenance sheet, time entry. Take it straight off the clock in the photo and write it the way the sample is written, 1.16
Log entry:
1.51
